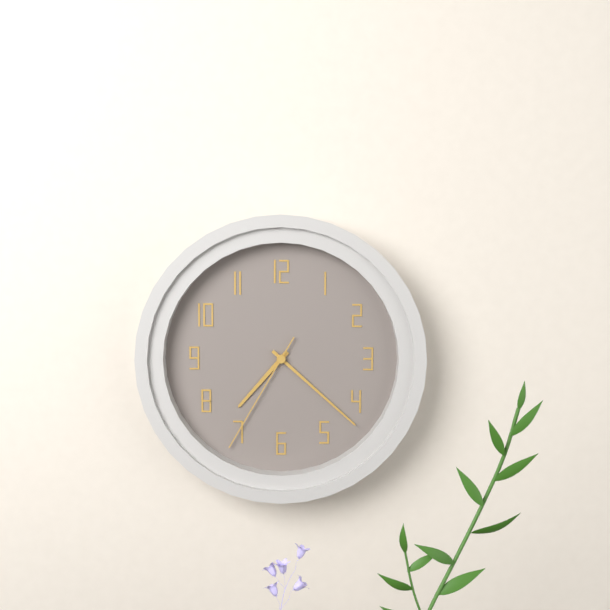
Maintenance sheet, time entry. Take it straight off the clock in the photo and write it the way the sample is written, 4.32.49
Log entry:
7.22.35
